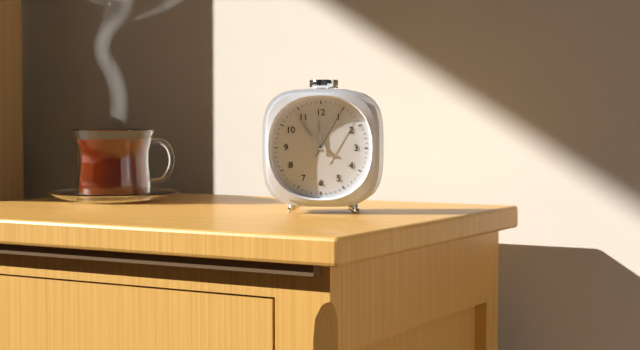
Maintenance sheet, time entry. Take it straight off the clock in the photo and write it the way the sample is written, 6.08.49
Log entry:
11.54.05
